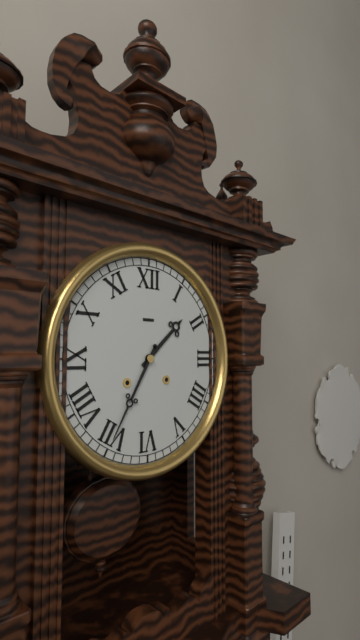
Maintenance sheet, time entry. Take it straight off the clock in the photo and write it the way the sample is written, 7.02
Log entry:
1.35
